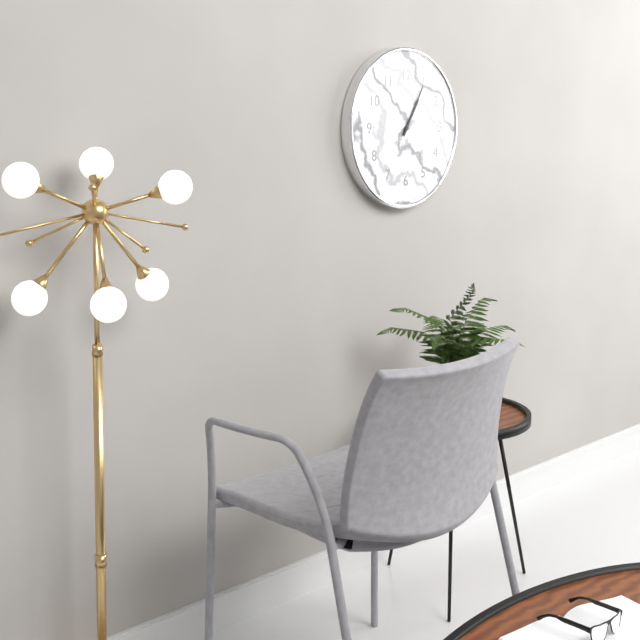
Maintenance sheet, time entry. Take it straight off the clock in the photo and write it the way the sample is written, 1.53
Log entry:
1.05
